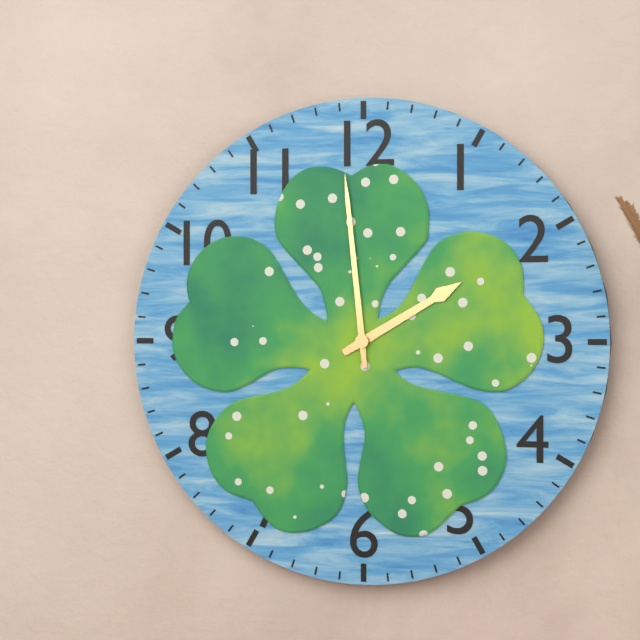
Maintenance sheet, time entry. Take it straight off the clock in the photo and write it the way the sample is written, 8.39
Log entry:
1.59
